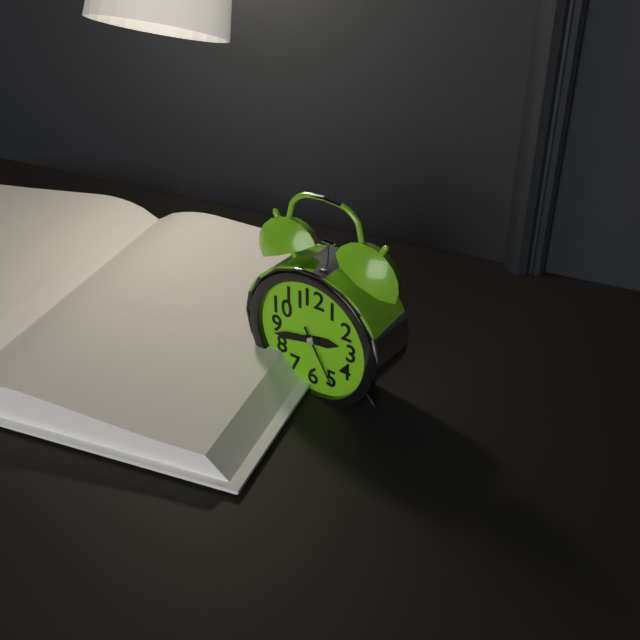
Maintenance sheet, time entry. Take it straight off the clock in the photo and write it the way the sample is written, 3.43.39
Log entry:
2.43.25
